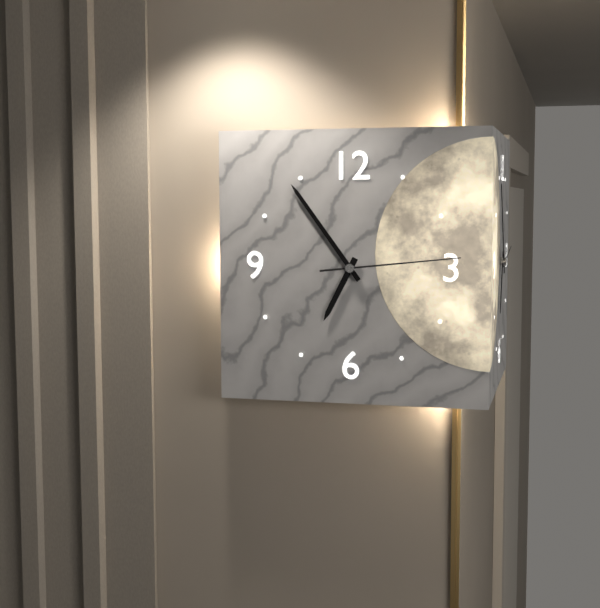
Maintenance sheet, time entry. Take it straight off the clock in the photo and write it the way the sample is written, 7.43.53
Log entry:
6.54.14
